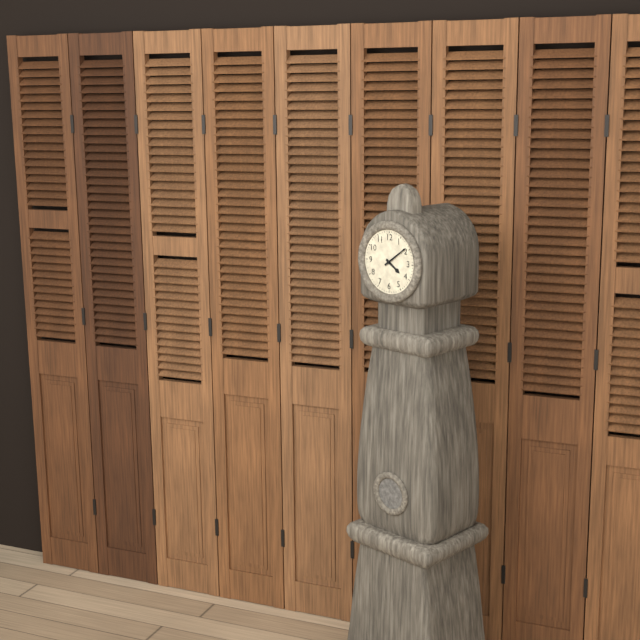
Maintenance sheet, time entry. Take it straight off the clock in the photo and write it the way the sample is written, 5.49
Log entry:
4.09
